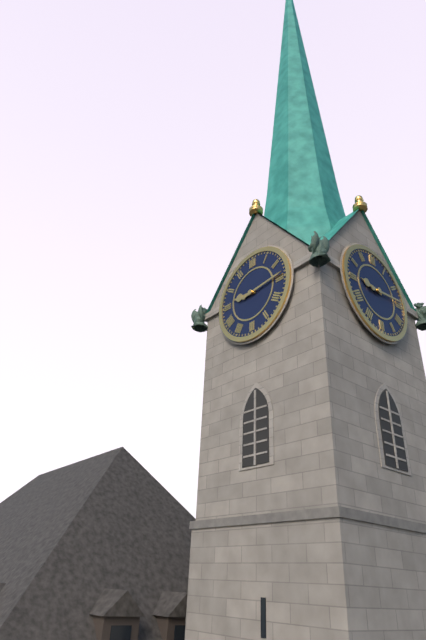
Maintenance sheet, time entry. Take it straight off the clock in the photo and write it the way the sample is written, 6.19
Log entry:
9.14
